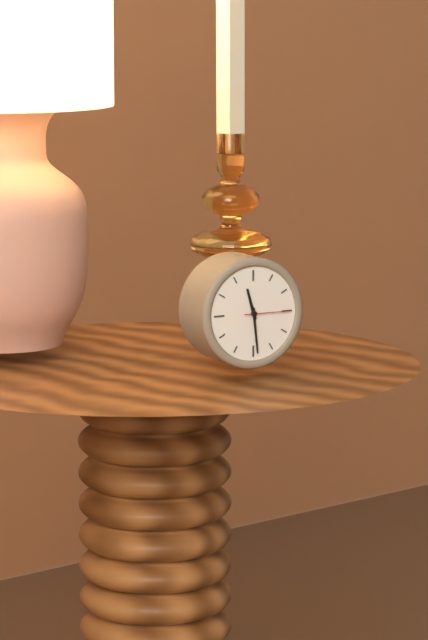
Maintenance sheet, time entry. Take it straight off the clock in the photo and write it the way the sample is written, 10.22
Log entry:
11.29
